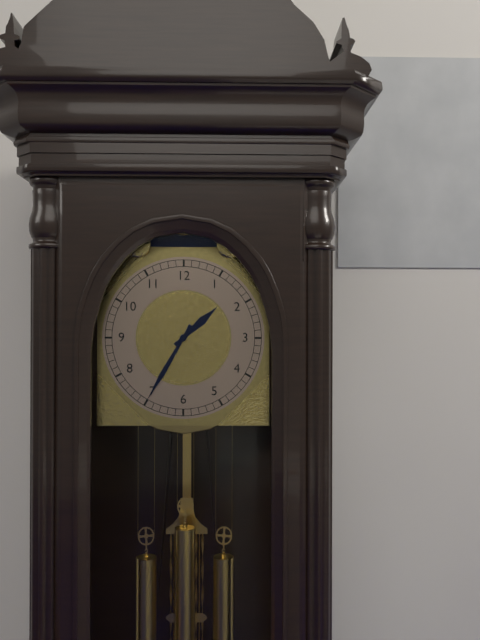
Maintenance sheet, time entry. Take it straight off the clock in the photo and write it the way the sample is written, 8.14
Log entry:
1.35
